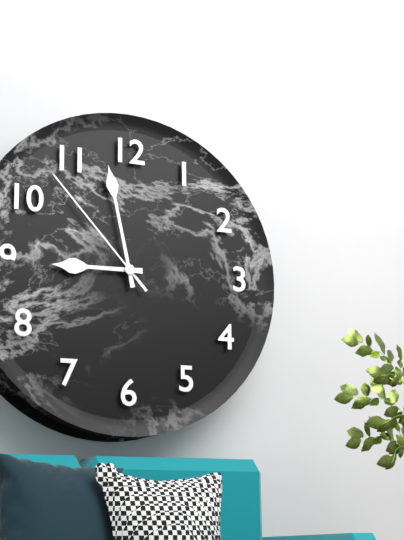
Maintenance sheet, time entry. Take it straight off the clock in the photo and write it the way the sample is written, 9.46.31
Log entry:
8.58.53
